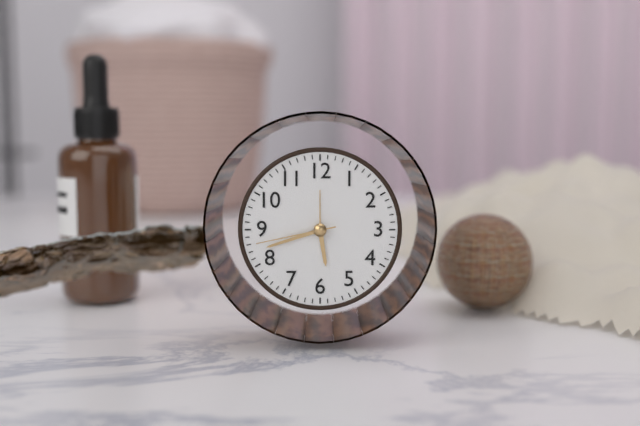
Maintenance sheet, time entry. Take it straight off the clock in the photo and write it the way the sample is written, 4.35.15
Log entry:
5.42.43
